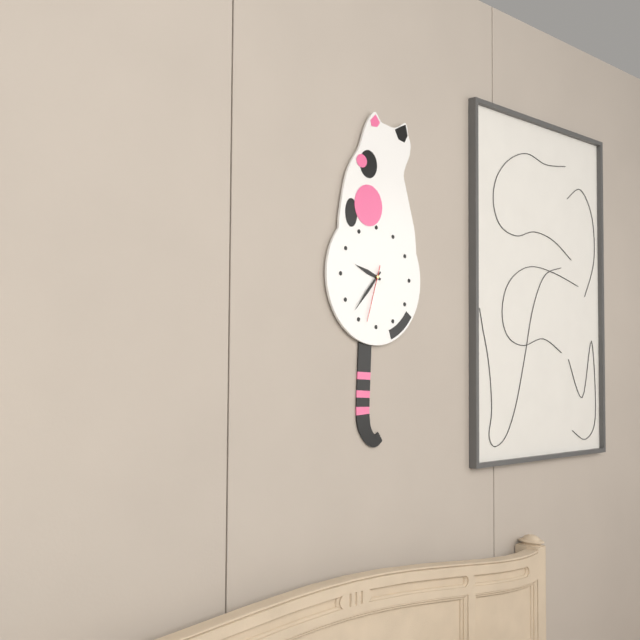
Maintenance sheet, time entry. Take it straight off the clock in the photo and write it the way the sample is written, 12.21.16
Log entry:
9.37.33
